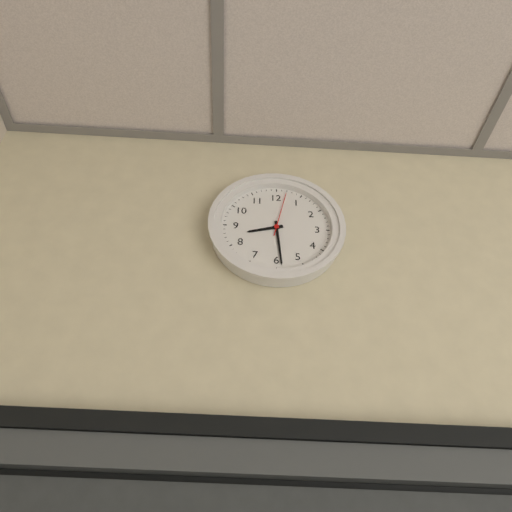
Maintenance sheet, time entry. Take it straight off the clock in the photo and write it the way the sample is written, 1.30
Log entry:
8.29
